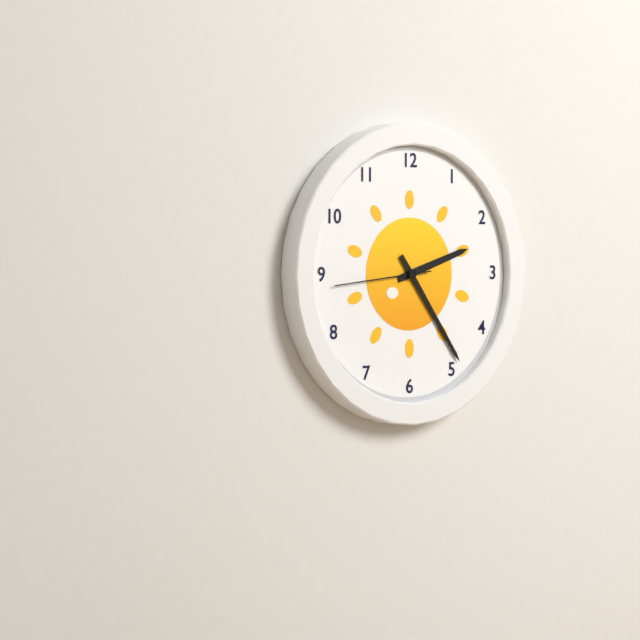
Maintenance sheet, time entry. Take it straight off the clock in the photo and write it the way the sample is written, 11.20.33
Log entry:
2.24.44
